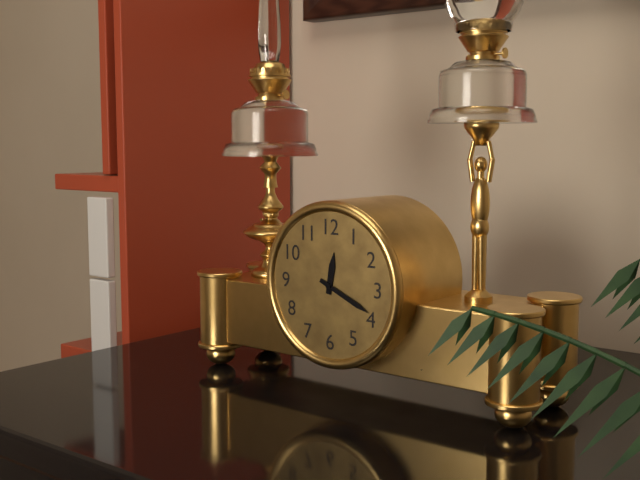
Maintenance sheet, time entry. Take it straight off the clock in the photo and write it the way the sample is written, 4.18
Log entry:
12.19
